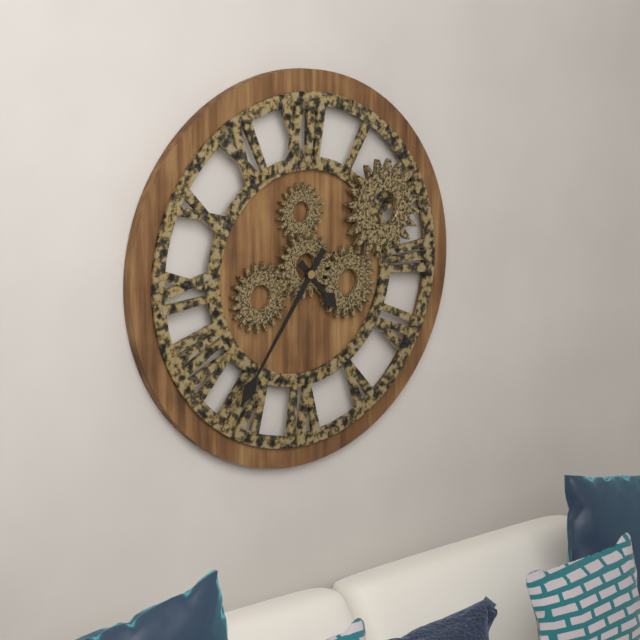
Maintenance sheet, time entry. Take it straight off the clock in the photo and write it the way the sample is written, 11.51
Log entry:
4.36
